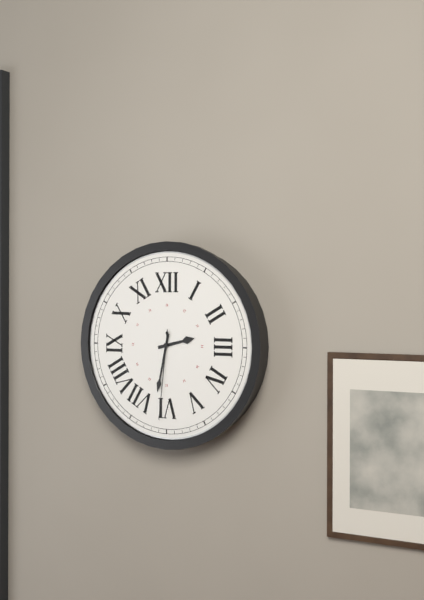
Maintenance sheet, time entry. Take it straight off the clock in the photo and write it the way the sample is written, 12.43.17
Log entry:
2.32.31
